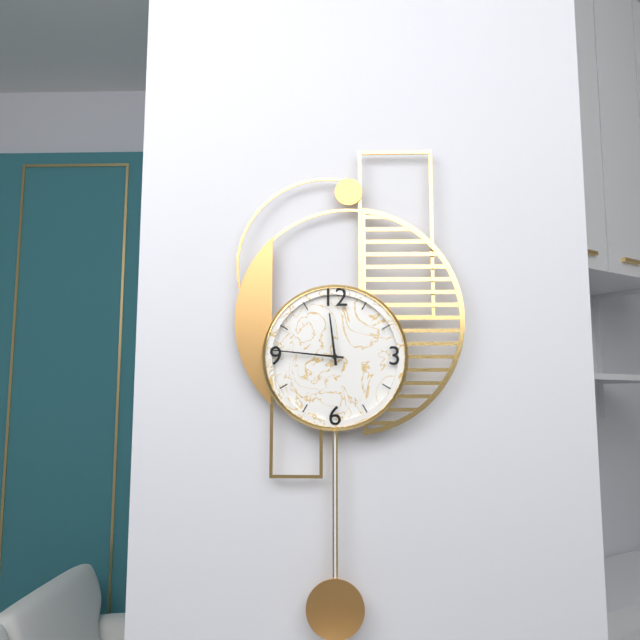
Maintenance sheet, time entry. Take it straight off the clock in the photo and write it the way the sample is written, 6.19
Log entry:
11.46
